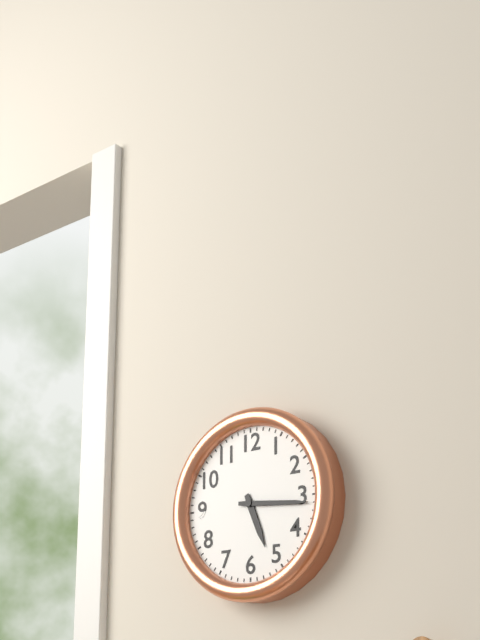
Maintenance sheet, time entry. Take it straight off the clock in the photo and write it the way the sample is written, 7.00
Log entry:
5.16
